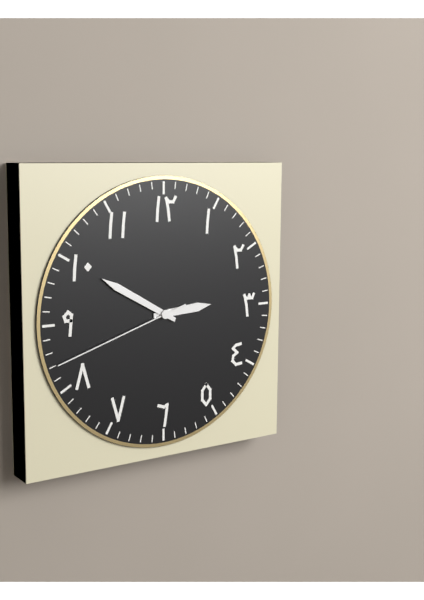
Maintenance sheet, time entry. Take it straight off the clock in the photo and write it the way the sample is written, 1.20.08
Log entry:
2.50.42
